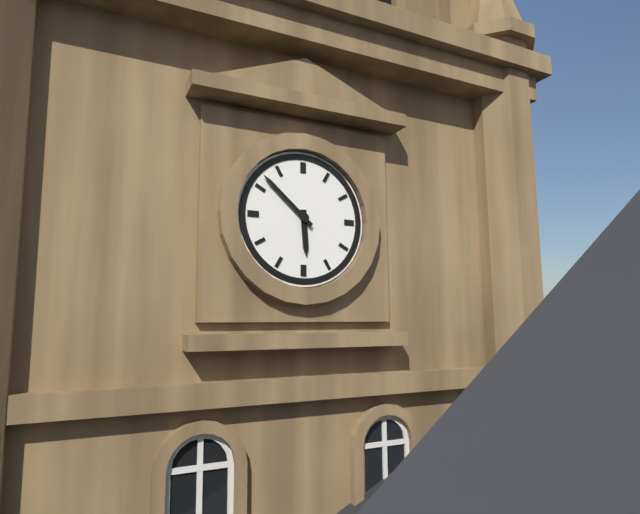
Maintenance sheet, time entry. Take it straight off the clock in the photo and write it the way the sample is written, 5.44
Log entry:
5.52
